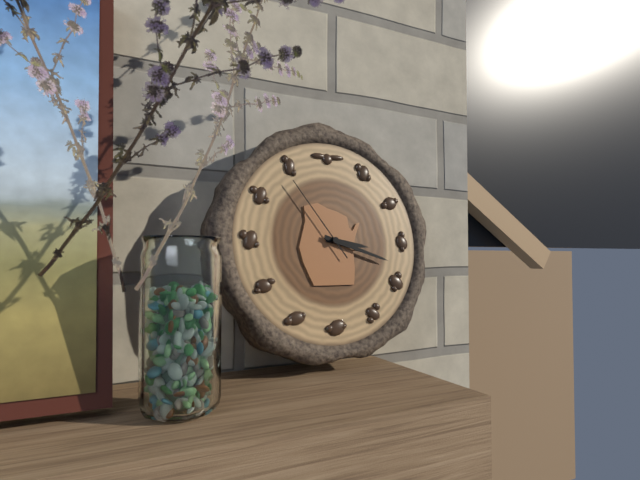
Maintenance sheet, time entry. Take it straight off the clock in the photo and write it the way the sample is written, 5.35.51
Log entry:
3.18.54
